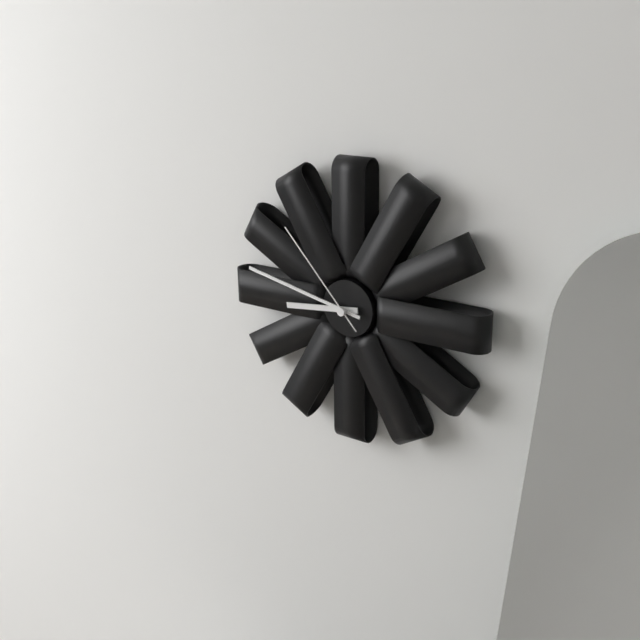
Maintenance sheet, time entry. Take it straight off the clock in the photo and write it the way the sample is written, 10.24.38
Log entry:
8.47.53
